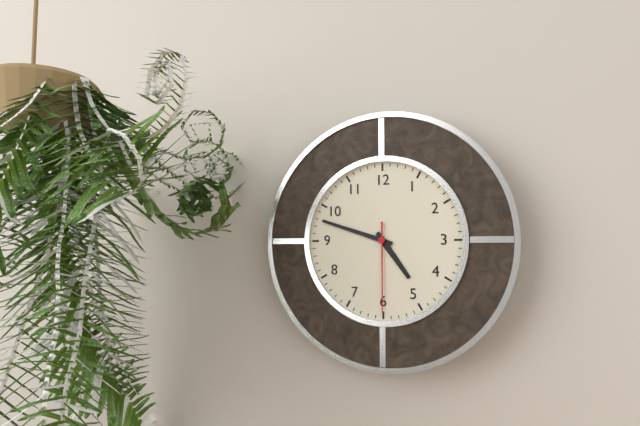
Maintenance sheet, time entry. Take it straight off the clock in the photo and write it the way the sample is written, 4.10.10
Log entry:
4.48.30
